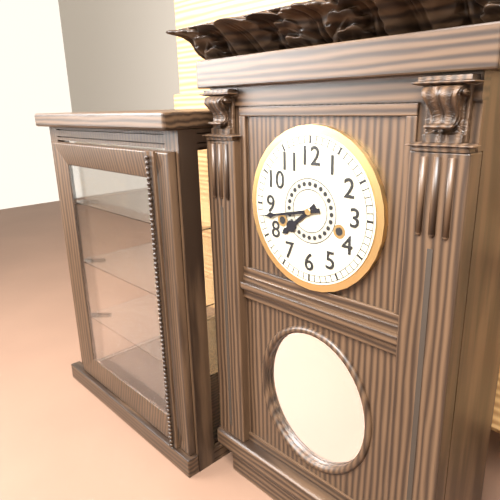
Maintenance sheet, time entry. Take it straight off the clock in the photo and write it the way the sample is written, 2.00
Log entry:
7.43
